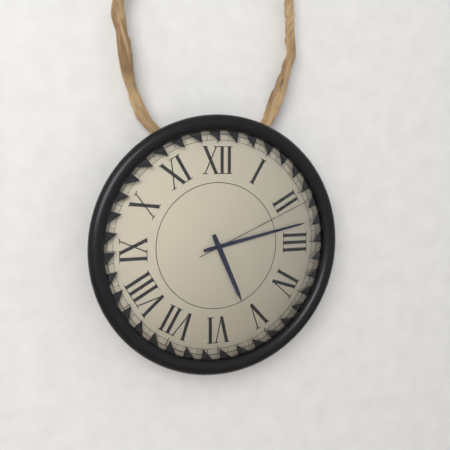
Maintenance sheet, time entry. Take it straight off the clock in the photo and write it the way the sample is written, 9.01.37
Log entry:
5.13.11
